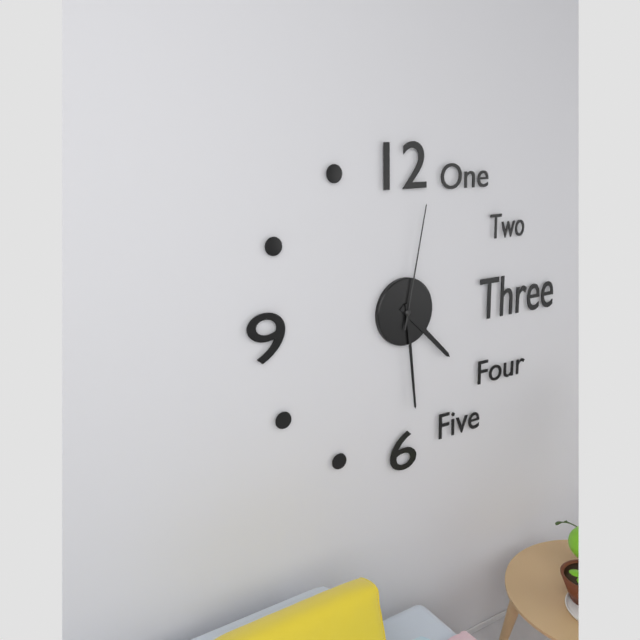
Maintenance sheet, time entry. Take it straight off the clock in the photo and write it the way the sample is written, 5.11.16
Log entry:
4.29.02
